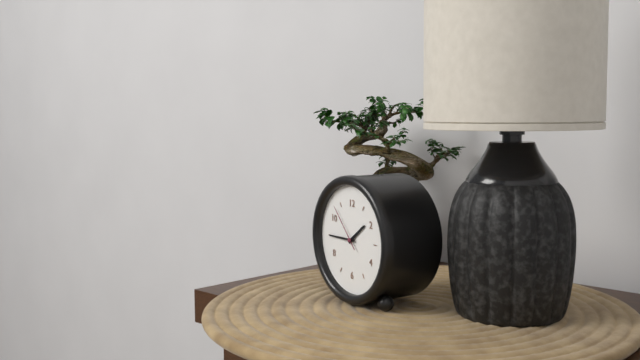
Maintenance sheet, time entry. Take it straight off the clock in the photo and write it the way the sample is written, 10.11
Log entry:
1.45
